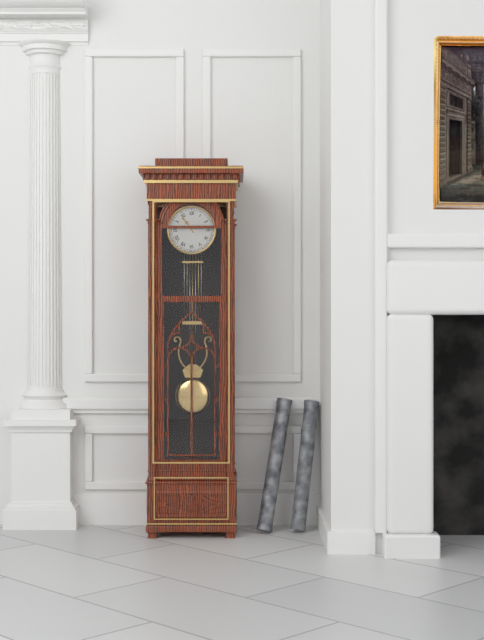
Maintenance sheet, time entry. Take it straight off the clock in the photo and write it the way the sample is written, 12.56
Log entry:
10.54
